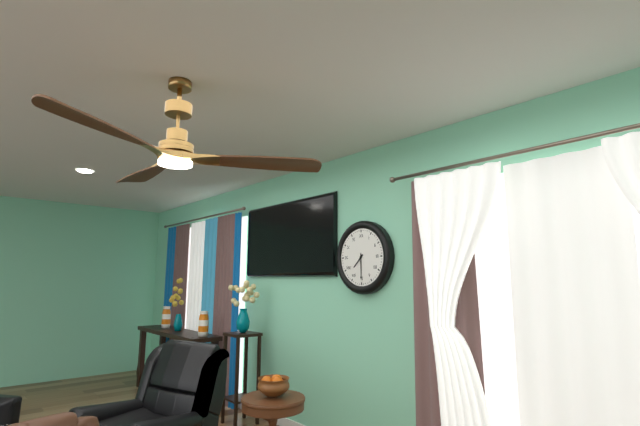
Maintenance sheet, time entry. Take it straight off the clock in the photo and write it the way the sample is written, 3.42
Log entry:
7.30
